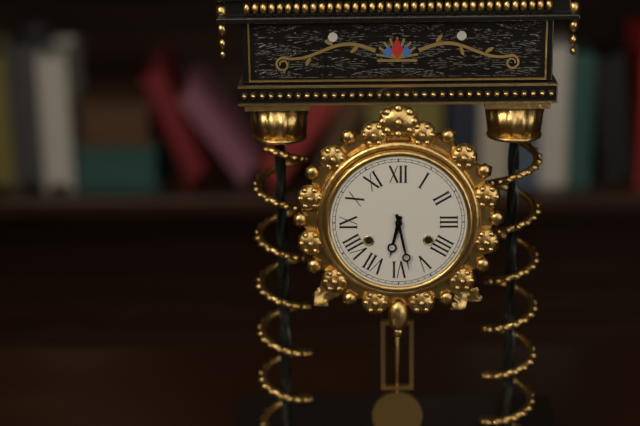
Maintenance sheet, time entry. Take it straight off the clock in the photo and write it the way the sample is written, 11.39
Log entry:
6.28
